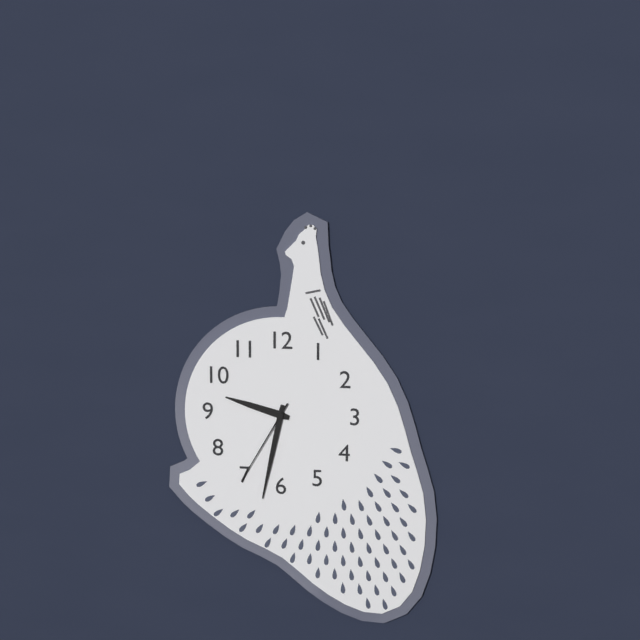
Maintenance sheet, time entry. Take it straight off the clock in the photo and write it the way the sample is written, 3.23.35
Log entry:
9.32.35
